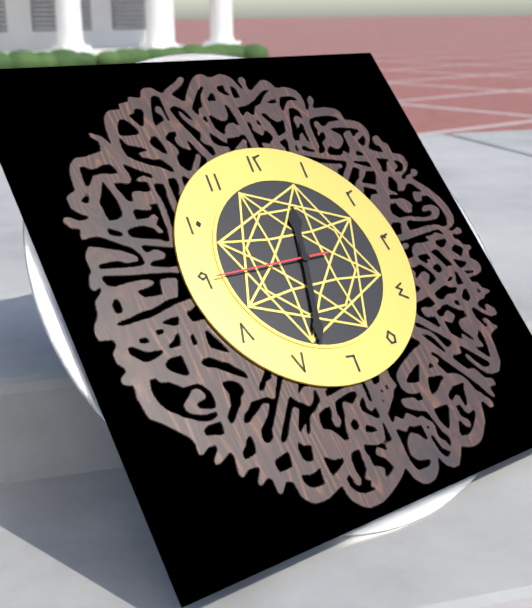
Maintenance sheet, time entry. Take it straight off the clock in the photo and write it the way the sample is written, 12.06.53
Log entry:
12.33.45
